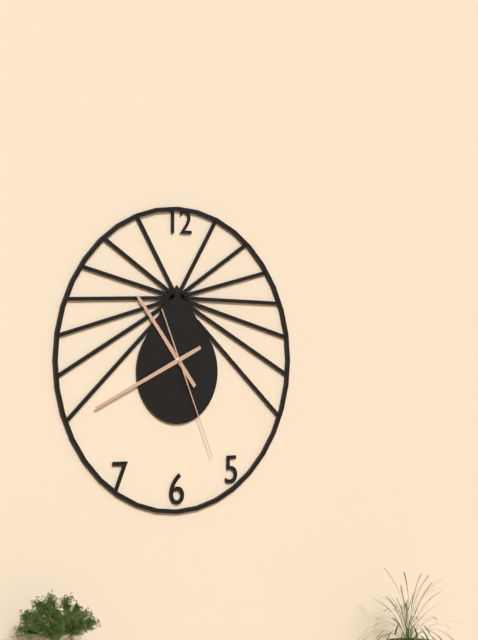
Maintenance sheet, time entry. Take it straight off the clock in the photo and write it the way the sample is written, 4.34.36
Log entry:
10.41.26
